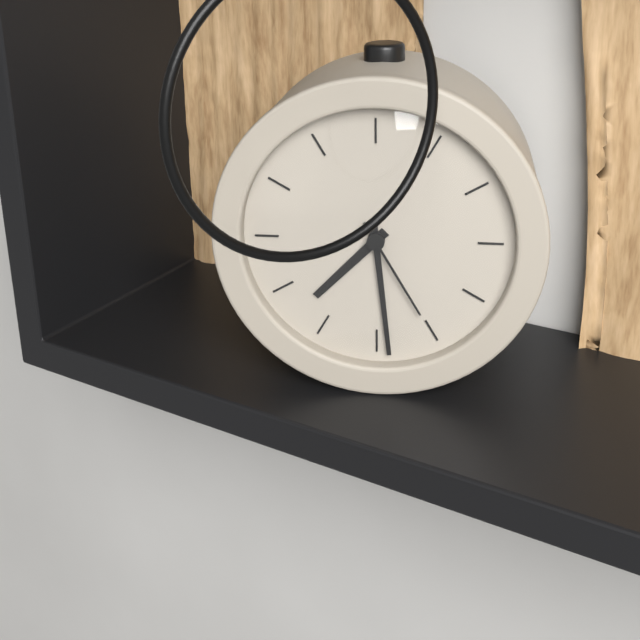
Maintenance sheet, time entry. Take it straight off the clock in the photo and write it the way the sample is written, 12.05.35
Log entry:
7.29.25
